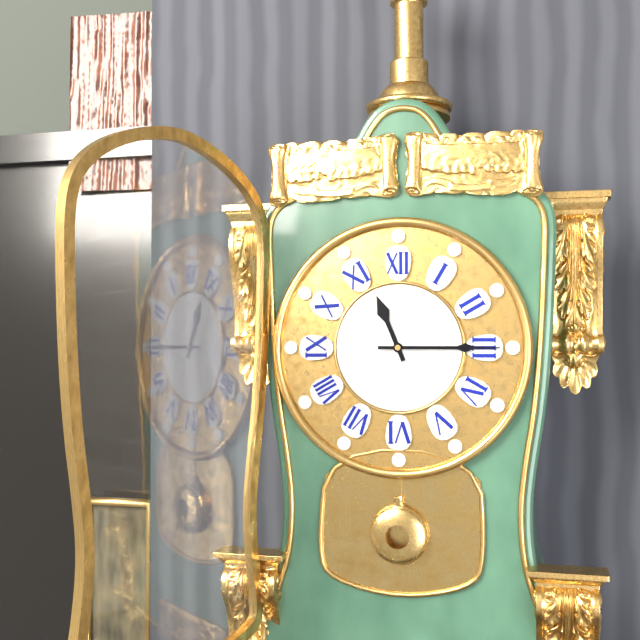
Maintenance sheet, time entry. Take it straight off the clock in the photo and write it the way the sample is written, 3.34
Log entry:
11.15
